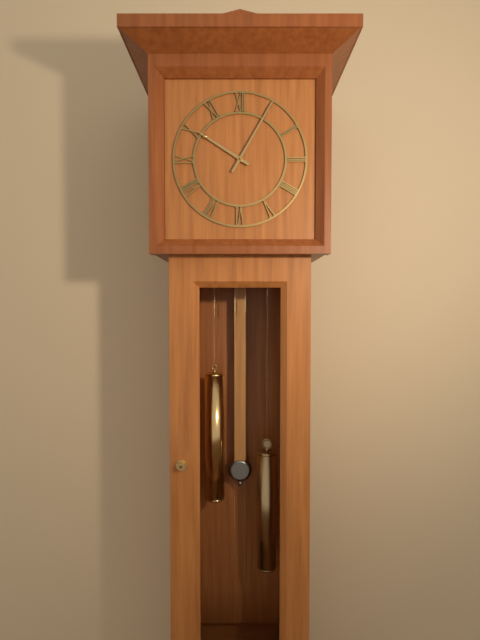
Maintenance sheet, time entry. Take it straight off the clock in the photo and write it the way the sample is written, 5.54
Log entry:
10.05
